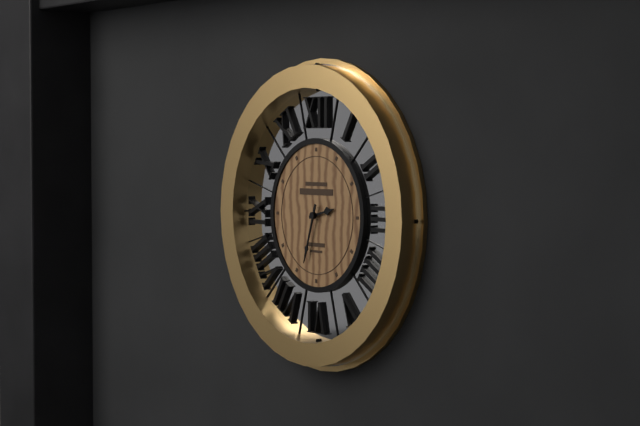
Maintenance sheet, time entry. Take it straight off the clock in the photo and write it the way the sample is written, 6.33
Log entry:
2.33
